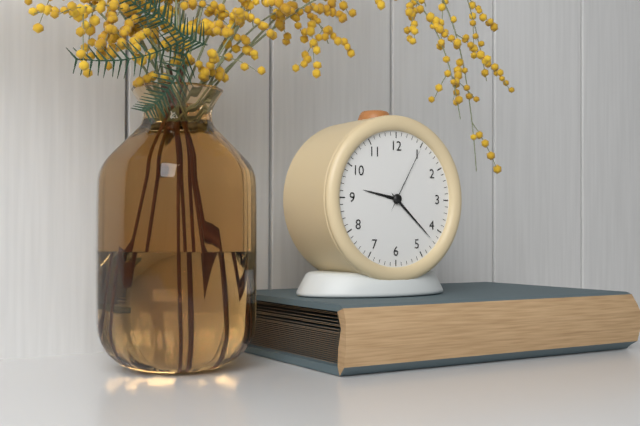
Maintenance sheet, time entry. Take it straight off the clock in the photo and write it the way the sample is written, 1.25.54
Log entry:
9.22.05
